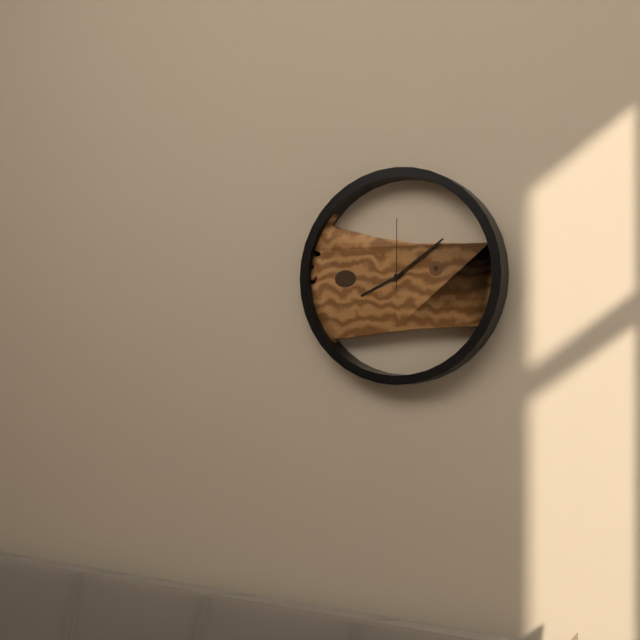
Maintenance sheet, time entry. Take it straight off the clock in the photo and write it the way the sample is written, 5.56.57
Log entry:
8.09.00
